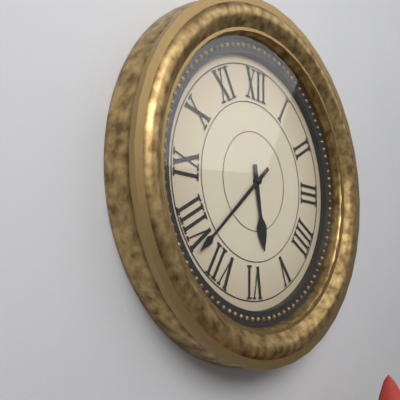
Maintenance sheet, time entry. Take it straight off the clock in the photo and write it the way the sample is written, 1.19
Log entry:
5.38
